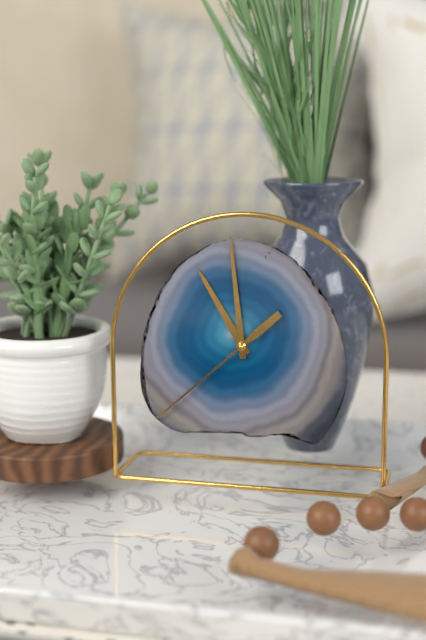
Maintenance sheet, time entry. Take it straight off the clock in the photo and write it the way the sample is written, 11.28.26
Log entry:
10.59.38
